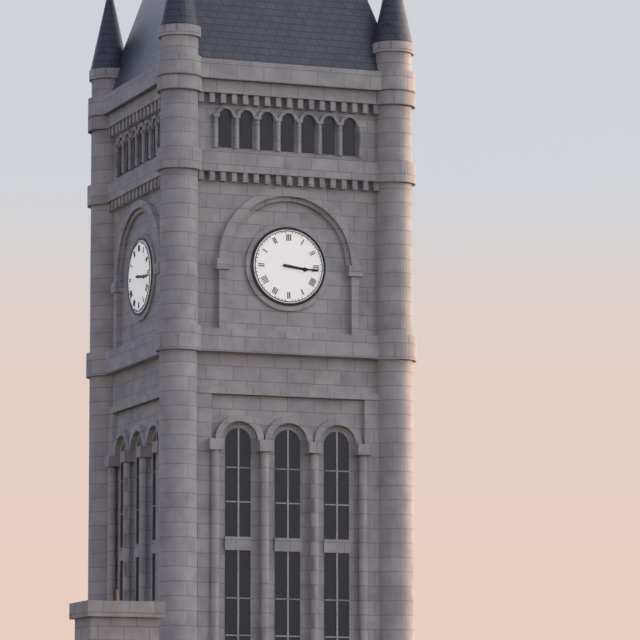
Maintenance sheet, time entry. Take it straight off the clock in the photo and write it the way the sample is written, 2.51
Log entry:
3.16
